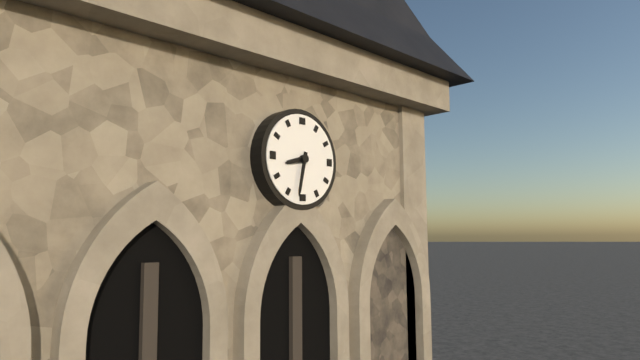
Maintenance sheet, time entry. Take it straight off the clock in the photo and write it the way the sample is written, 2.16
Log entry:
8.32
